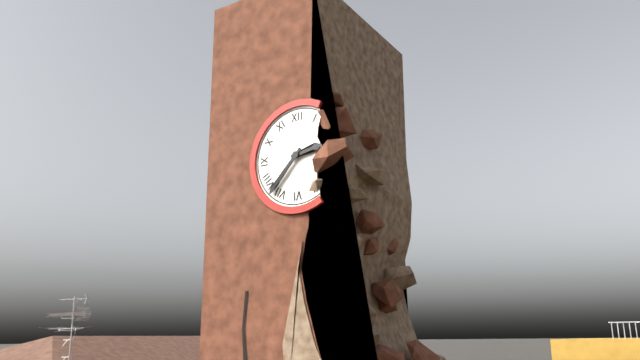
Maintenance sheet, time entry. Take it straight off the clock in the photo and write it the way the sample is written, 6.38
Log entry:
2.37
